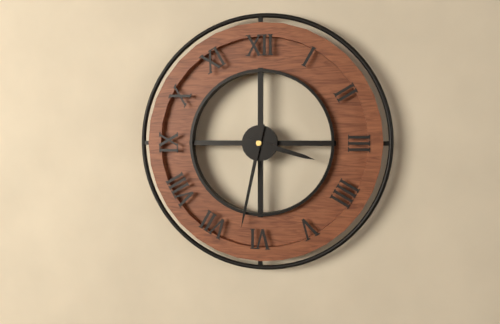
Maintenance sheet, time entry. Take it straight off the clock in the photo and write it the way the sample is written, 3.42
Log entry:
3.32
